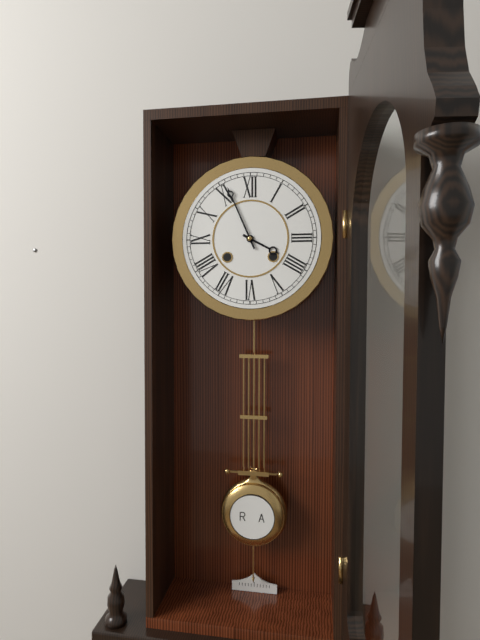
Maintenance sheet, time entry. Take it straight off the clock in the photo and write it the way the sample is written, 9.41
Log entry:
3.56
